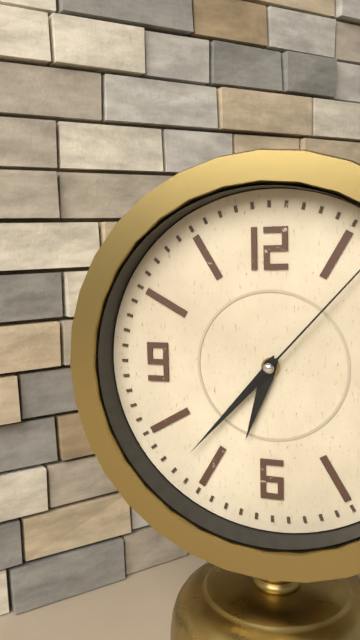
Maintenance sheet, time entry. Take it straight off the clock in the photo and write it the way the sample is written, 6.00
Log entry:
6.37
